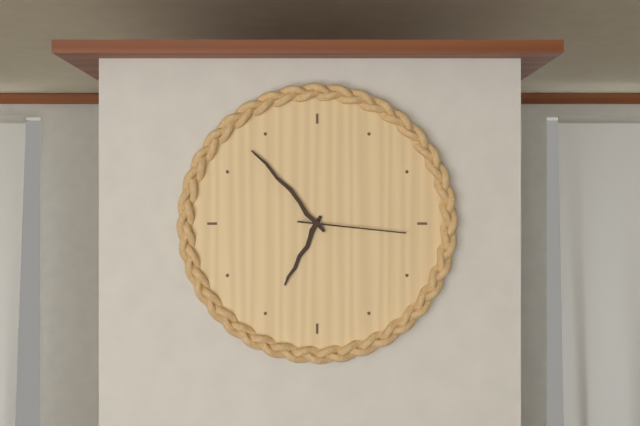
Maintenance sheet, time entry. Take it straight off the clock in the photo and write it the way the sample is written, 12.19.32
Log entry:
6.53.16
